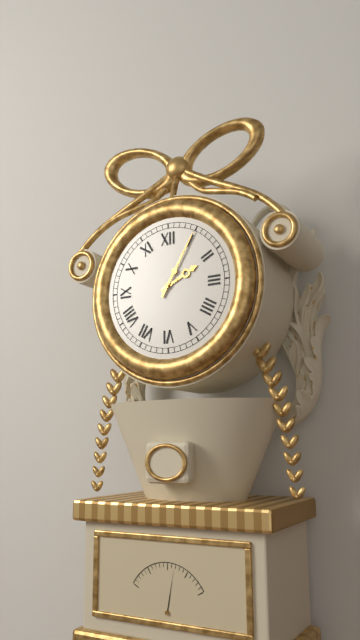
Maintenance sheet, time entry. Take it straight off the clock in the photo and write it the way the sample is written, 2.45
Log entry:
2.05
